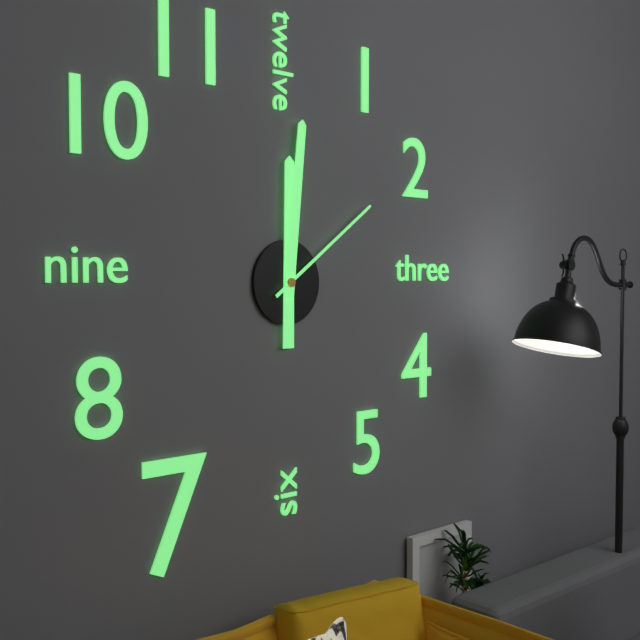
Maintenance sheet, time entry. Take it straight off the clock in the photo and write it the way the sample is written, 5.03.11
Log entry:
12.01.09
